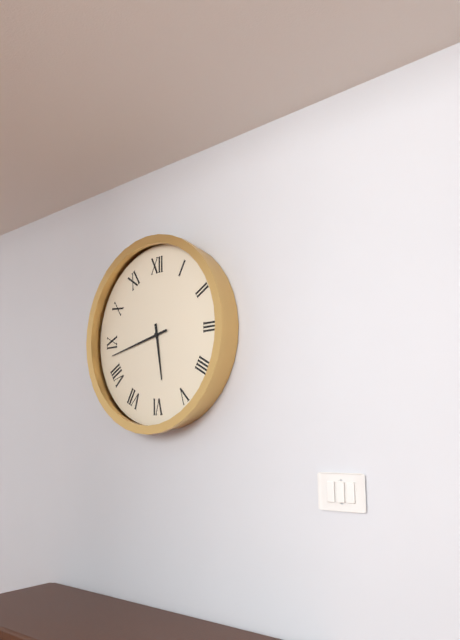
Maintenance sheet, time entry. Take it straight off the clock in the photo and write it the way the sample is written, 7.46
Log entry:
5.43
